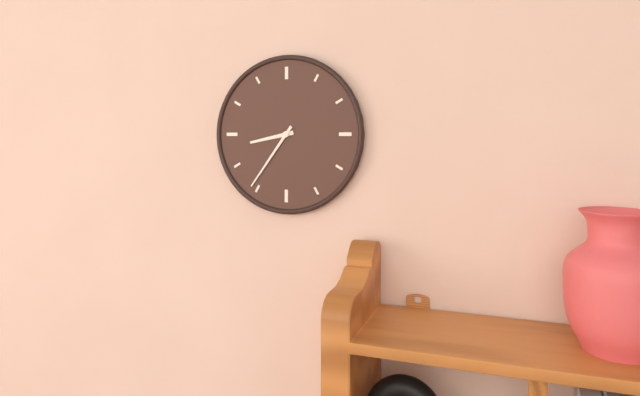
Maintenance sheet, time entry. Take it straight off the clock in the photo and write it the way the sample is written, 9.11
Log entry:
8.36
